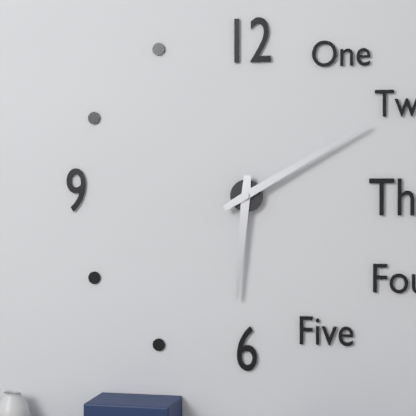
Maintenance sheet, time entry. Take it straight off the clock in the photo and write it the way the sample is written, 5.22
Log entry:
6.10
